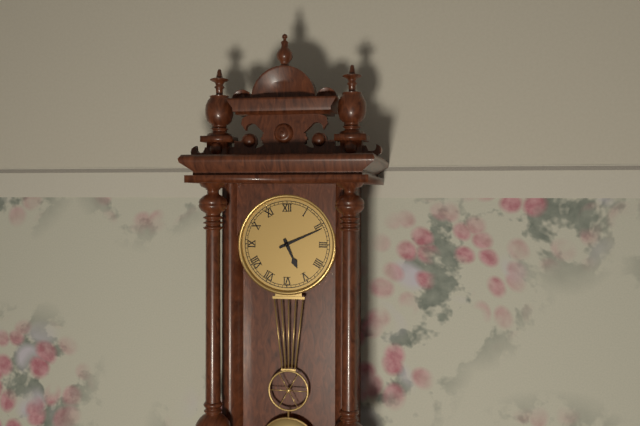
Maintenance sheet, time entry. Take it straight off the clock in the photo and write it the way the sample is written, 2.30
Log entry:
5.11
